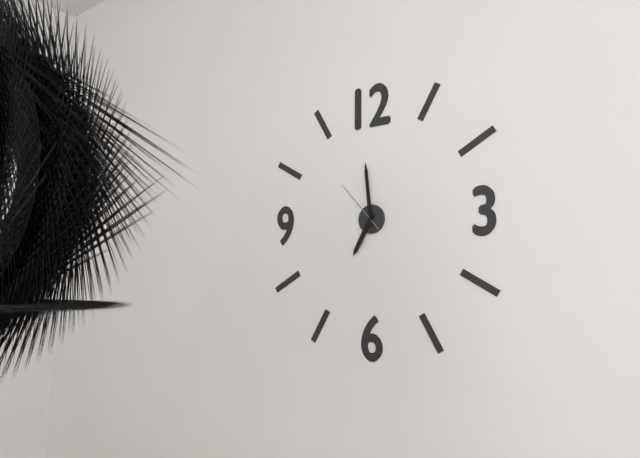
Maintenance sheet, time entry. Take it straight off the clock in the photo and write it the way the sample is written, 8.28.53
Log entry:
6.59.53
